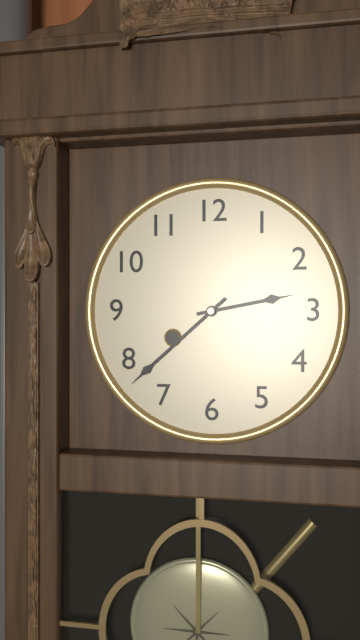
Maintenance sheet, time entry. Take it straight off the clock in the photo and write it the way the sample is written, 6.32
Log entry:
2.38
